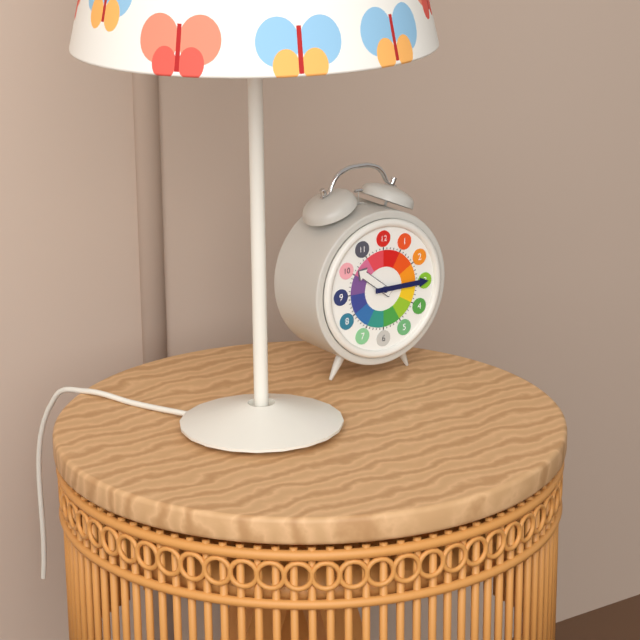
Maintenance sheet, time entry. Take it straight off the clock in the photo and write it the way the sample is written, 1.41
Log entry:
10.15
